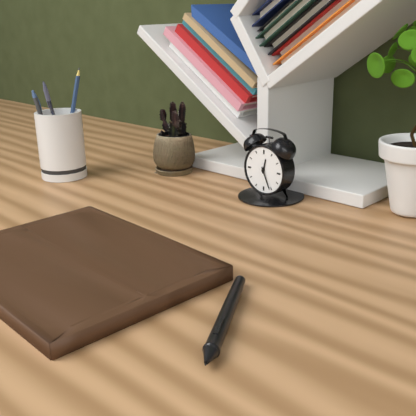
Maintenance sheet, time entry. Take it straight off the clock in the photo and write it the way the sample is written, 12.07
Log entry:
12.26
